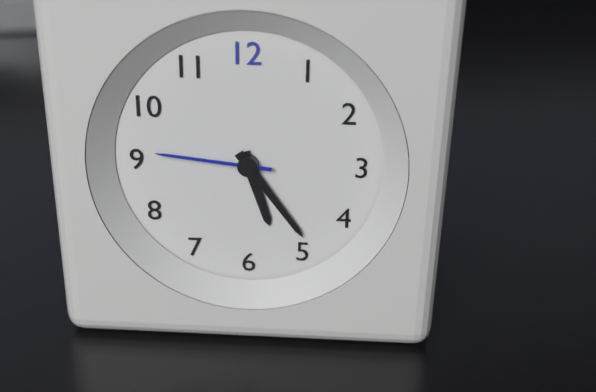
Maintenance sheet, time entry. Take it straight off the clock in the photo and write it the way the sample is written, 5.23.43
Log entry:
5.24.46
